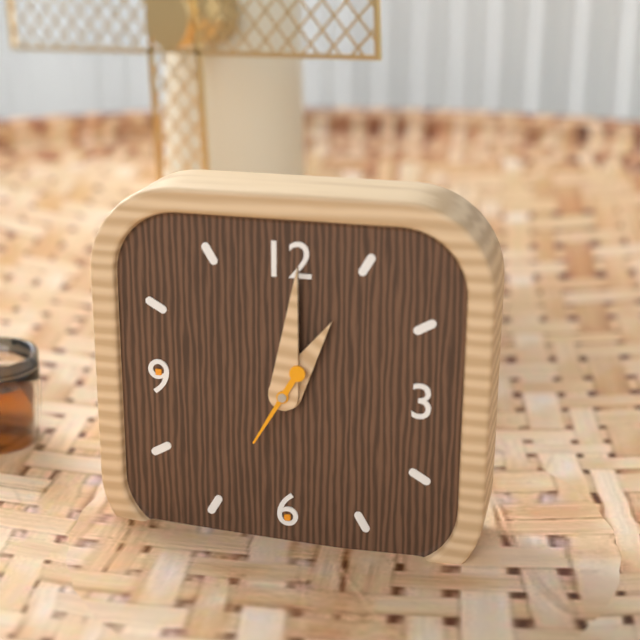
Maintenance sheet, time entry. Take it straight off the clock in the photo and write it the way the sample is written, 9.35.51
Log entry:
1.01.35
